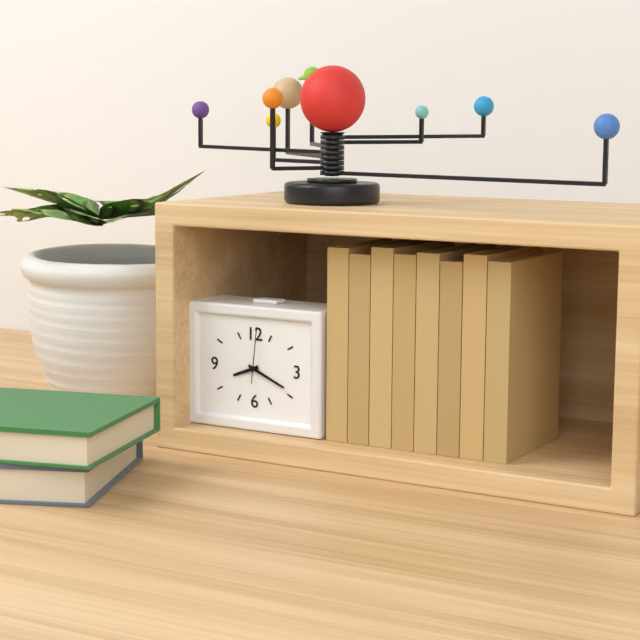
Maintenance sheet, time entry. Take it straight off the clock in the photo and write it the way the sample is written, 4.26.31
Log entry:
8.19.01
